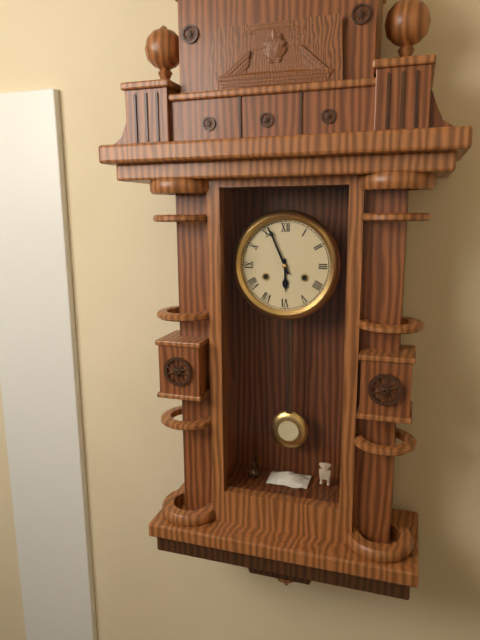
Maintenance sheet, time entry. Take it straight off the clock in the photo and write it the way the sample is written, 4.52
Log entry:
5.56
